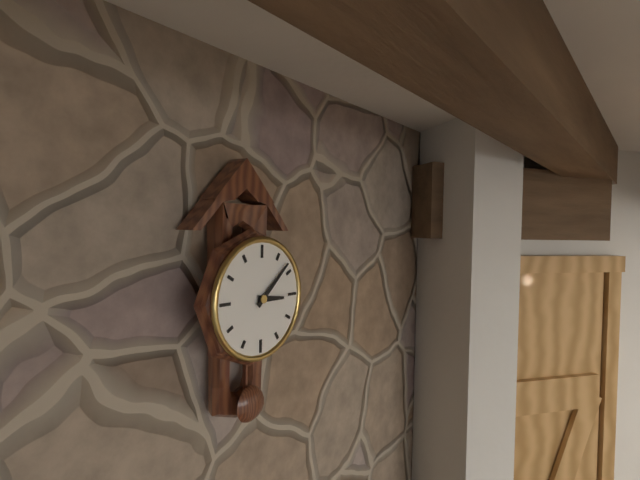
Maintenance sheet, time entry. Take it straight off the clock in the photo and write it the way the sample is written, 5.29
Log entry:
3.08
